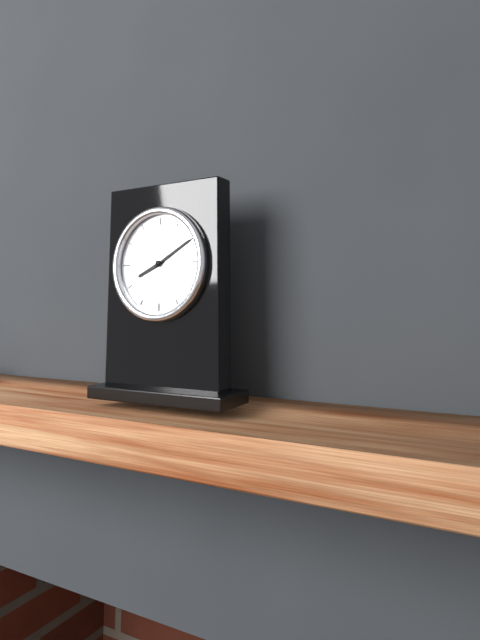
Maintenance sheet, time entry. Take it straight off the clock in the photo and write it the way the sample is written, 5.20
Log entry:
8.10
